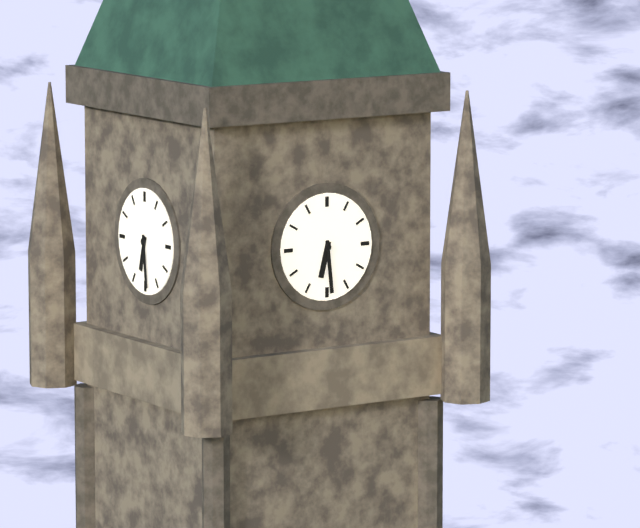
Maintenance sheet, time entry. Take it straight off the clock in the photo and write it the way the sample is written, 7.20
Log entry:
6.29
